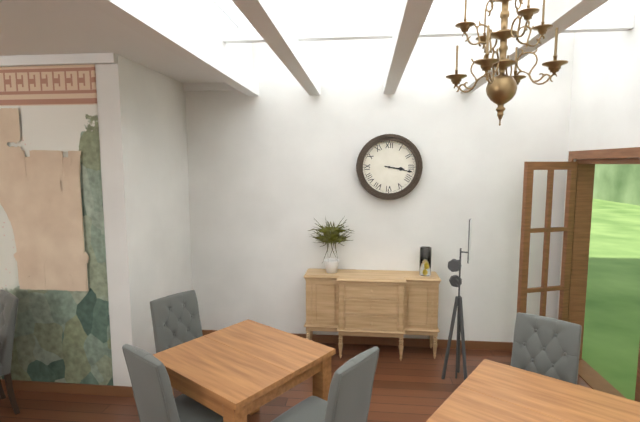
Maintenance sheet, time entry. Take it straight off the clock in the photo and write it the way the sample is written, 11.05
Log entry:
3.17
